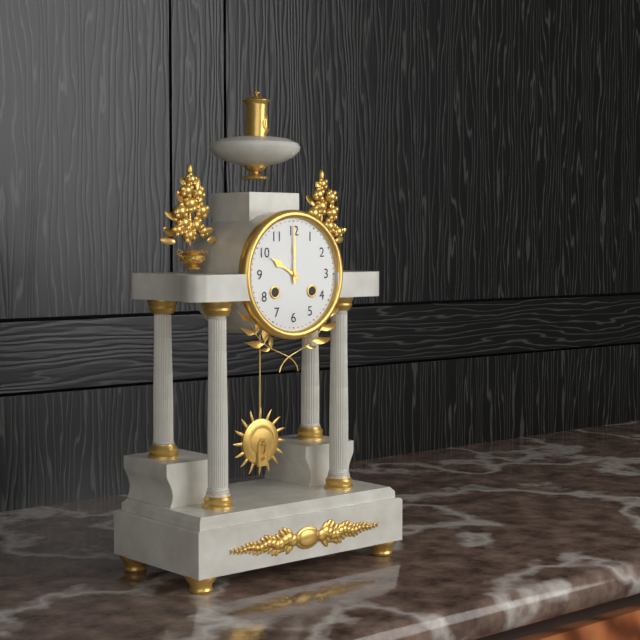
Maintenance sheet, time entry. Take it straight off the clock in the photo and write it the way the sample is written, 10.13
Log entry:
10.00
